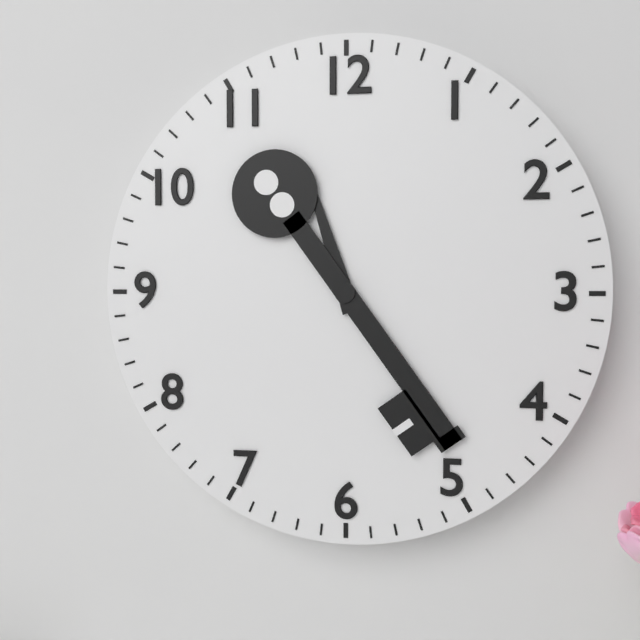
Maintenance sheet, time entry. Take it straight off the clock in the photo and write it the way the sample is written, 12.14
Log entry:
11.24
